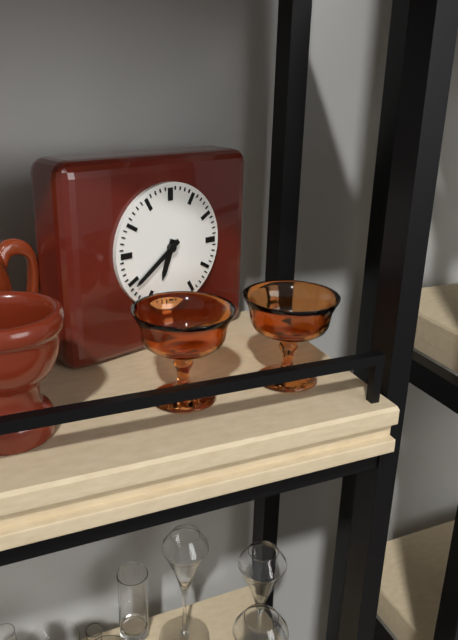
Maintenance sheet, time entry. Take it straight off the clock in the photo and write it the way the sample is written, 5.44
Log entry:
6.39
